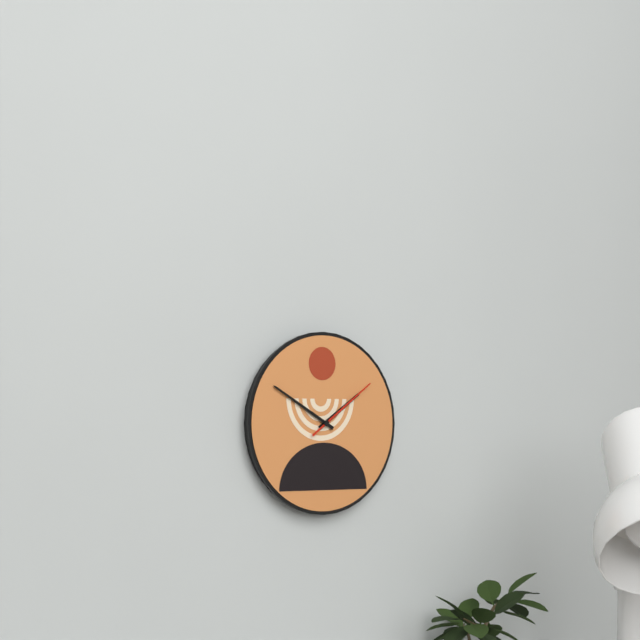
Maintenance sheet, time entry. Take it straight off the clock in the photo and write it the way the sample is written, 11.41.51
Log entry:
1.50.09
